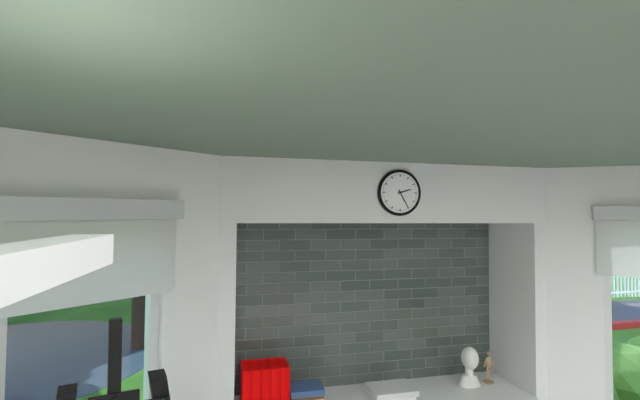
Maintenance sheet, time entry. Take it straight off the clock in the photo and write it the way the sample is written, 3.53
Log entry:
2.25
